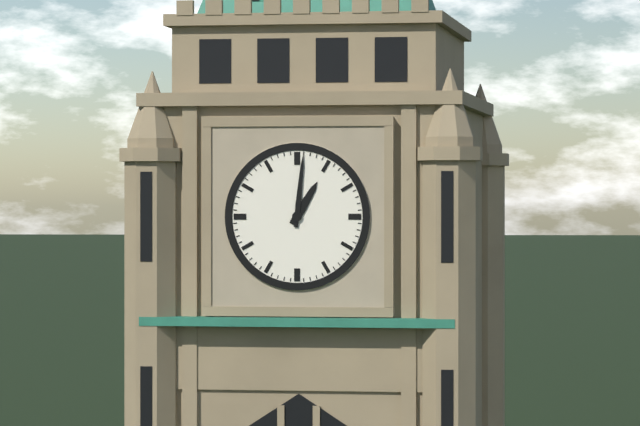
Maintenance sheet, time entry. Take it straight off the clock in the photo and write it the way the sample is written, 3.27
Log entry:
1.01
